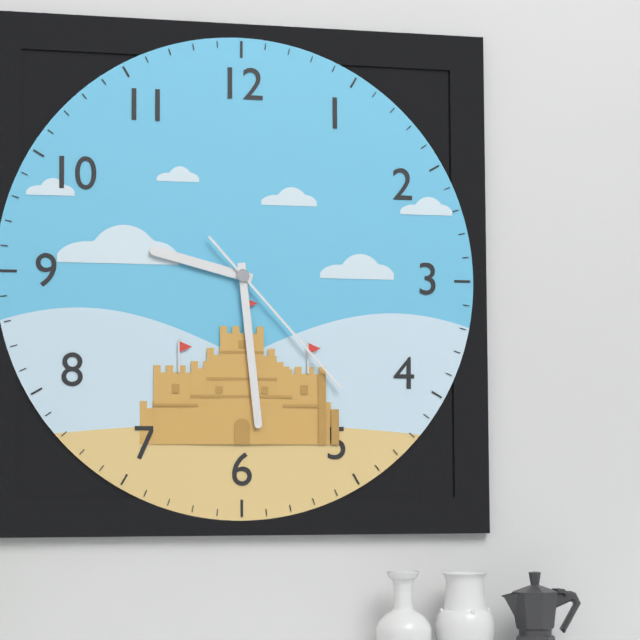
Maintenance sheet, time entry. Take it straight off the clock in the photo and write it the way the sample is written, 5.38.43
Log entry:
9.29.23
